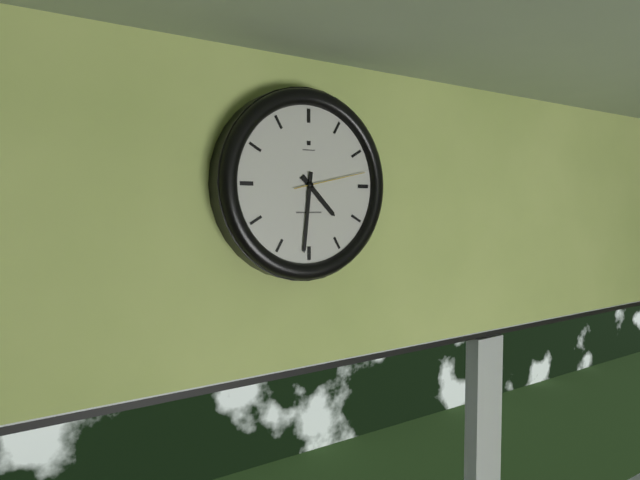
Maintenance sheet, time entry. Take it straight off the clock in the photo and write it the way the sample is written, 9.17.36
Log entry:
4.31.13
